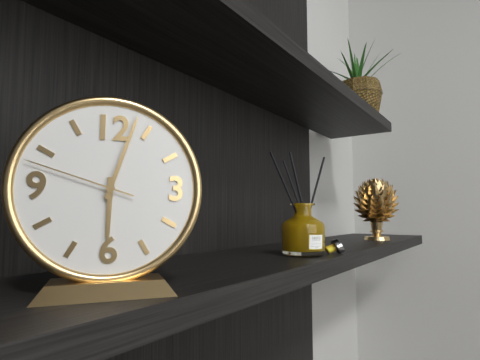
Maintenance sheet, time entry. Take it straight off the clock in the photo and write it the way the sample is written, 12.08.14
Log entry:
6.03.48
